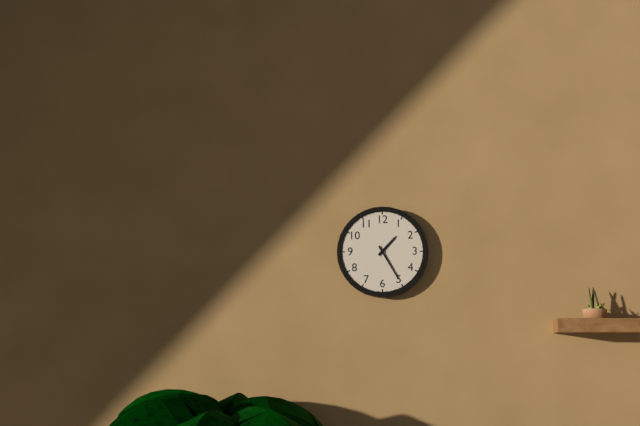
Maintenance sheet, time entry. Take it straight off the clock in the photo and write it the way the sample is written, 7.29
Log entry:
1.25
